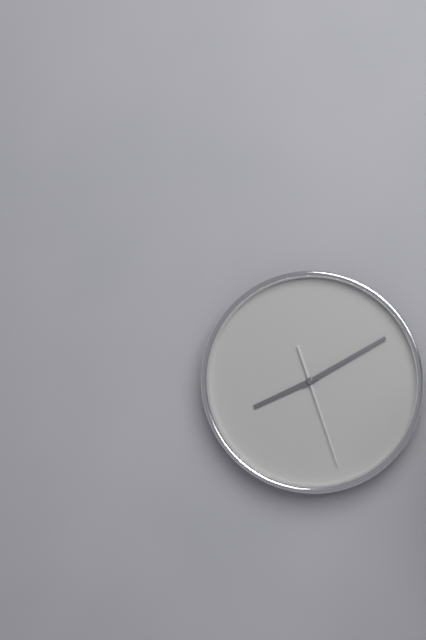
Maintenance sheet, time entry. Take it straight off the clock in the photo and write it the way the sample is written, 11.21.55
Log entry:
8.10.27
